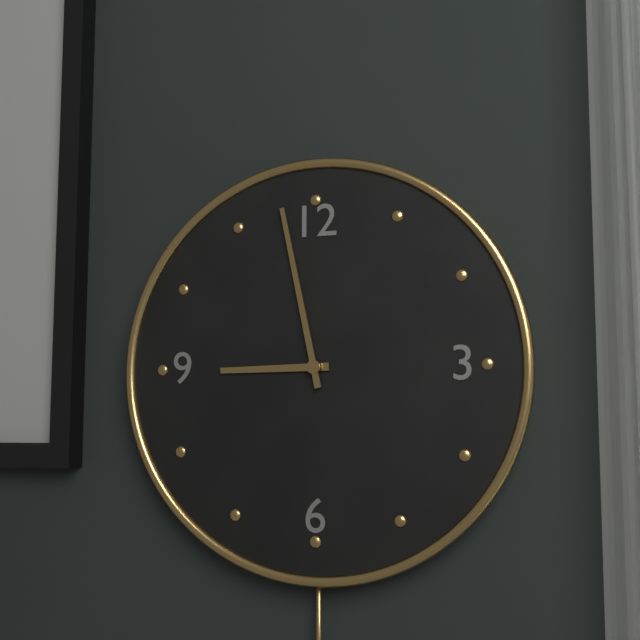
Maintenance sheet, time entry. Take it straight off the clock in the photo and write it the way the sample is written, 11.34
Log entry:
8.58
